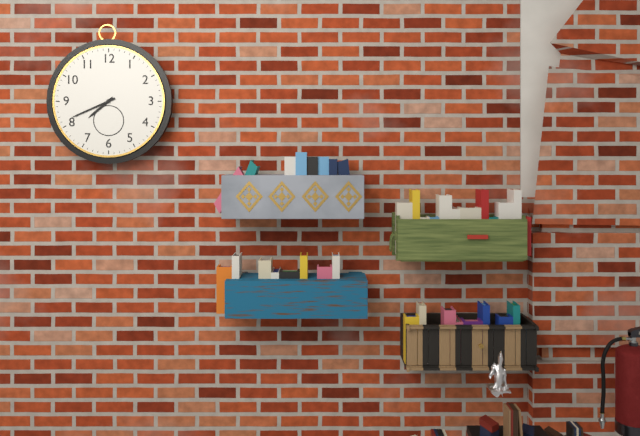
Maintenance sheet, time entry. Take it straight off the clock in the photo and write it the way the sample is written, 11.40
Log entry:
7.41
